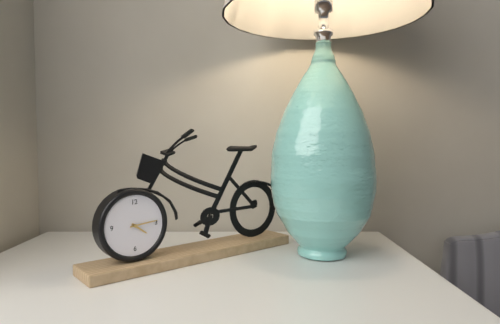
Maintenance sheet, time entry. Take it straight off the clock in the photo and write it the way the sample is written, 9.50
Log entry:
4.14
